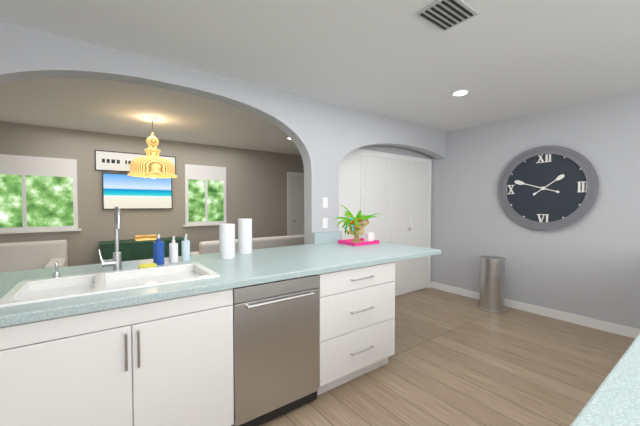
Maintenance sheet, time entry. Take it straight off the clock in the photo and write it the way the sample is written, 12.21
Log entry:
1.48
